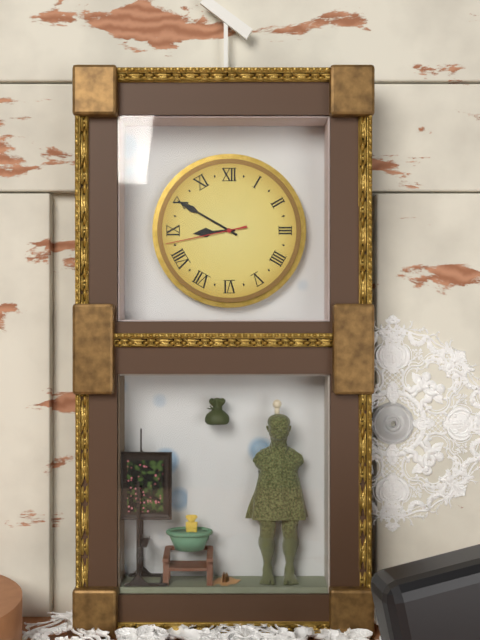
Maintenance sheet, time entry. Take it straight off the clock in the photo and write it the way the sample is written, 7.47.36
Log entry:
8.50.43
